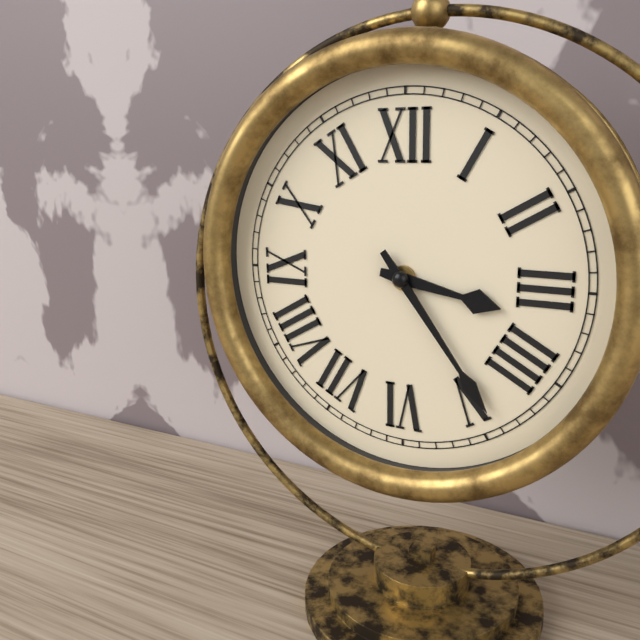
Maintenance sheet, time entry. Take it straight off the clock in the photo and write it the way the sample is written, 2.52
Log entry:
3.24
